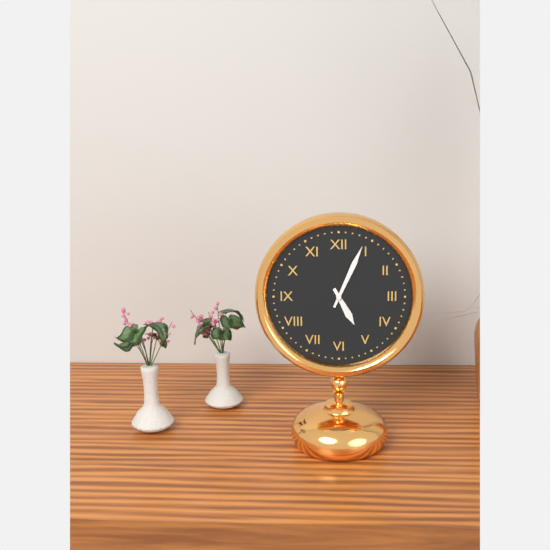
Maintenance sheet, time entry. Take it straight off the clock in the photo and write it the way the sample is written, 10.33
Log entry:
5.04
